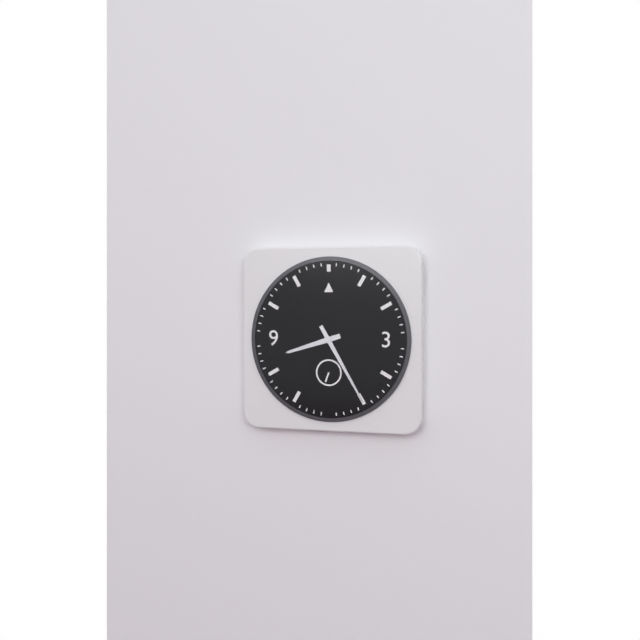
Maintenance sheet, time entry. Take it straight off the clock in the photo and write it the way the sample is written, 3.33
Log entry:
8.25
